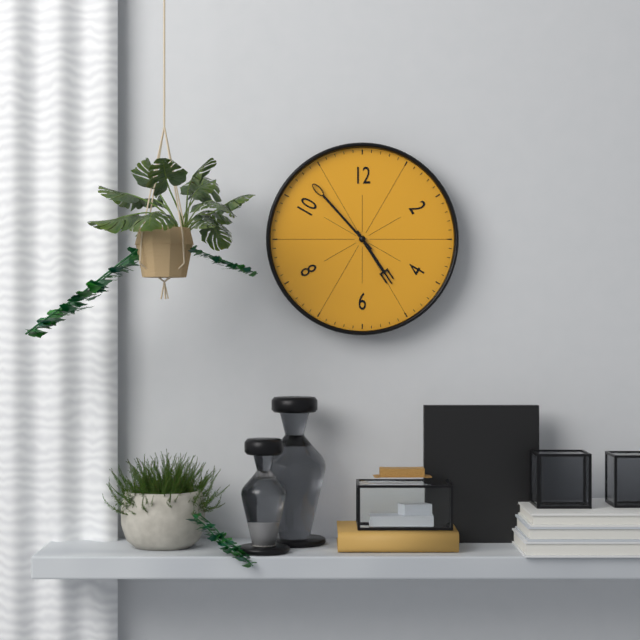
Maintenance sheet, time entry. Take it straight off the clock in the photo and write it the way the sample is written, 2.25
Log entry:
4.53
